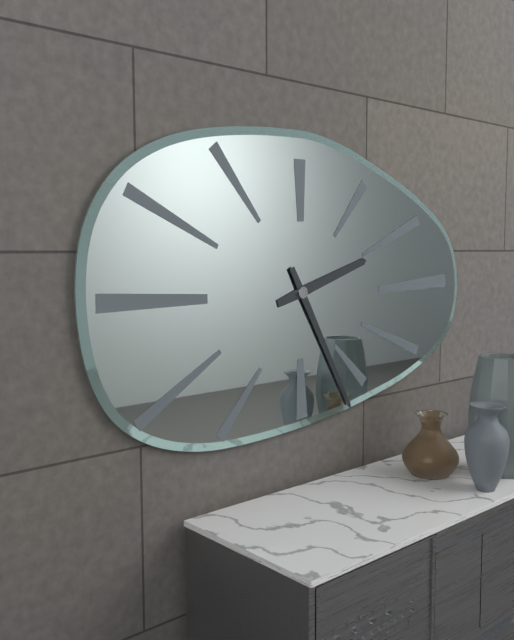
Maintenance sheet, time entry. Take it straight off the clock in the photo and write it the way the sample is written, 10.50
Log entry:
2.25
